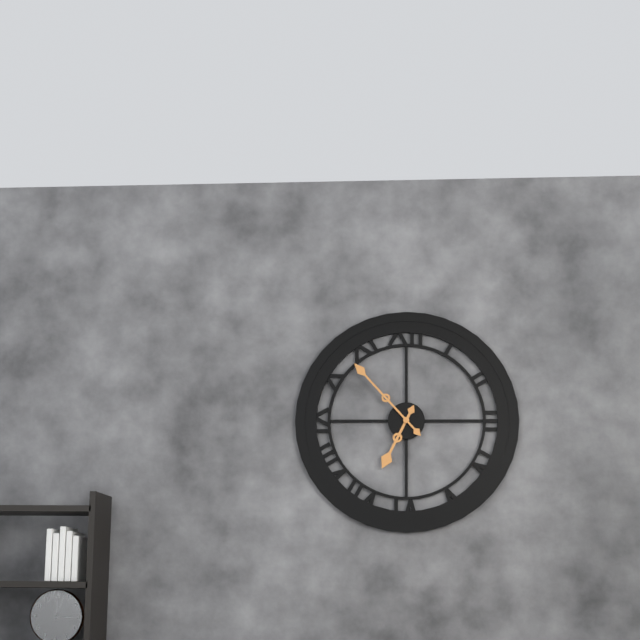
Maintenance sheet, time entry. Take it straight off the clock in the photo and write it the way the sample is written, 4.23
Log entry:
6.53
